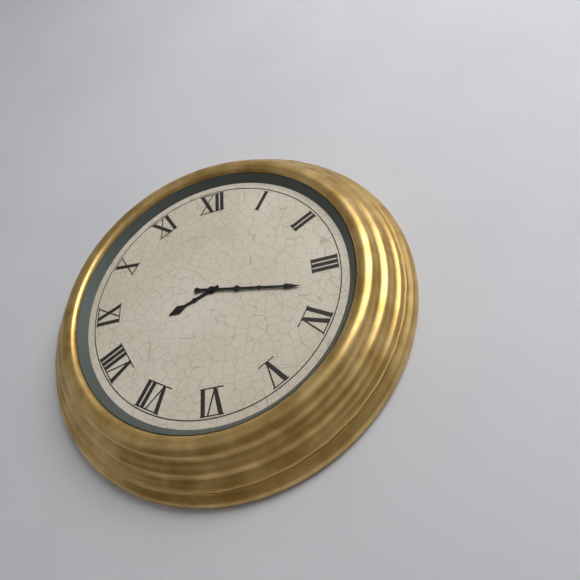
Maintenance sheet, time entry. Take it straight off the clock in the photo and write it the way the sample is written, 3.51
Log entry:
8.17
